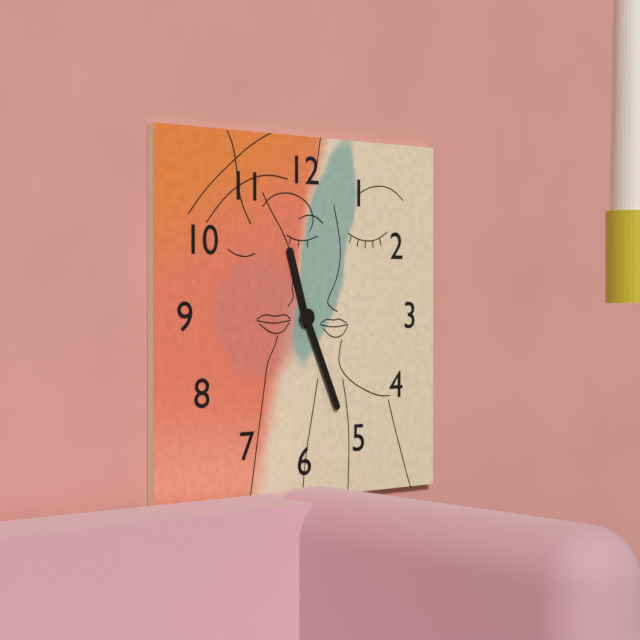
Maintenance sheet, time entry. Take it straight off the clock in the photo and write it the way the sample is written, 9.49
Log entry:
11.26
